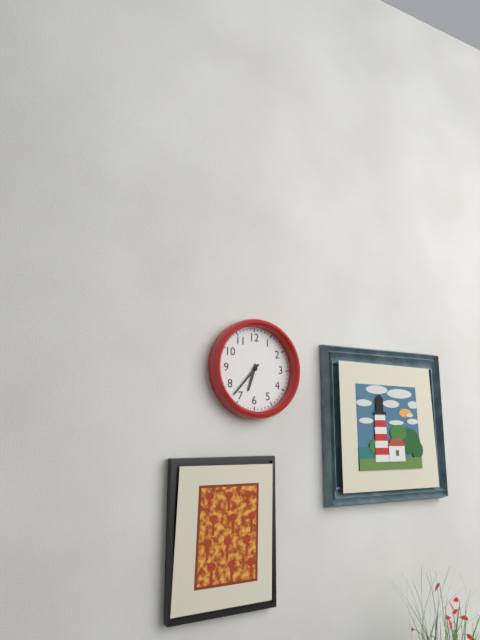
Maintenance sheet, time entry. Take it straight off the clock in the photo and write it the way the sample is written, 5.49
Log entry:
6.37
